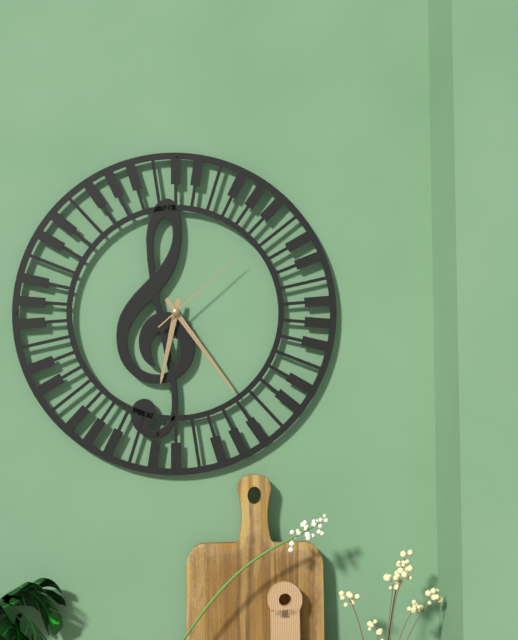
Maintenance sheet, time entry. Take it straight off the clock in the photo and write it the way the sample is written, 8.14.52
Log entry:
6.24.08
